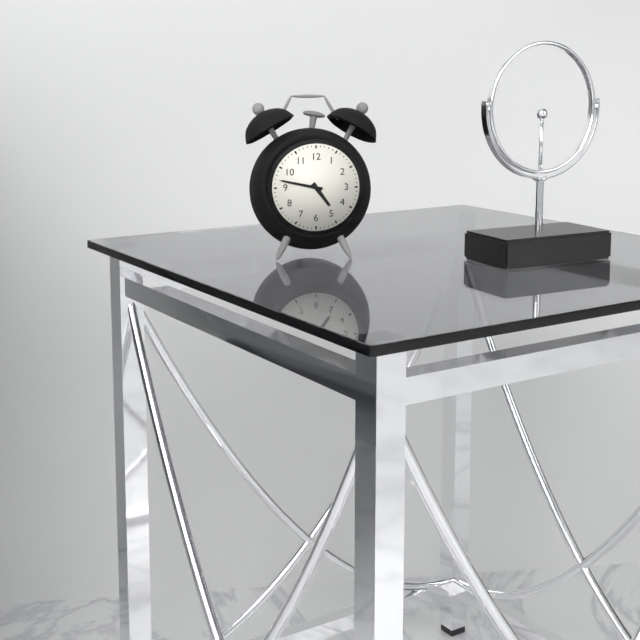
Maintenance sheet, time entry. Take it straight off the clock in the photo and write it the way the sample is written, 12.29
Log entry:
4.47
